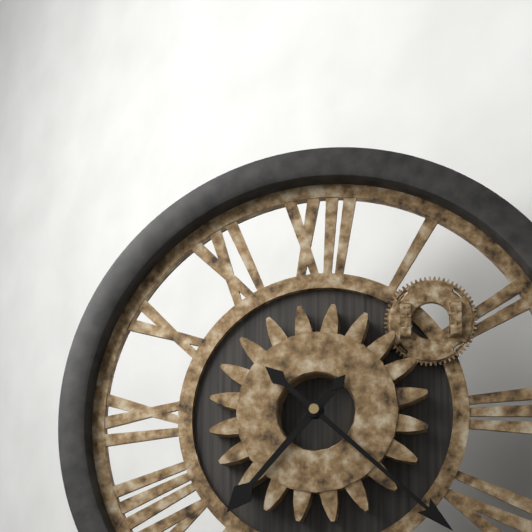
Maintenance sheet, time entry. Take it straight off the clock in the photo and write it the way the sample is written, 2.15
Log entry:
7.22
